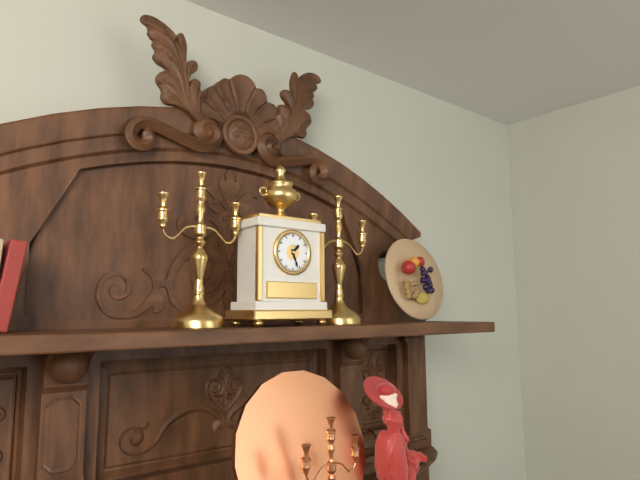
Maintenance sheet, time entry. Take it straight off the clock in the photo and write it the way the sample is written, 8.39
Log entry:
1.27
